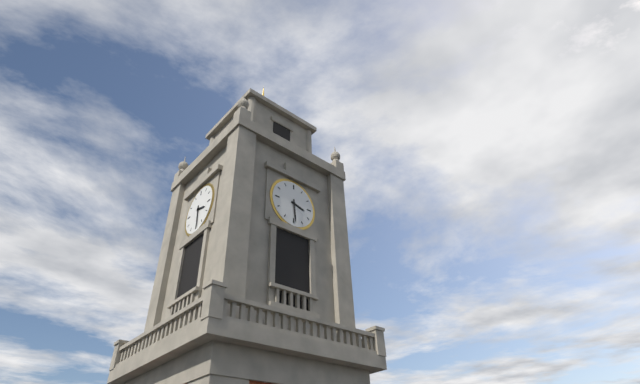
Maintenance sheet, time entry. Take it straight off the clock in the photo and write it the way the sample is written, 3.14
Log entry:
3.29
